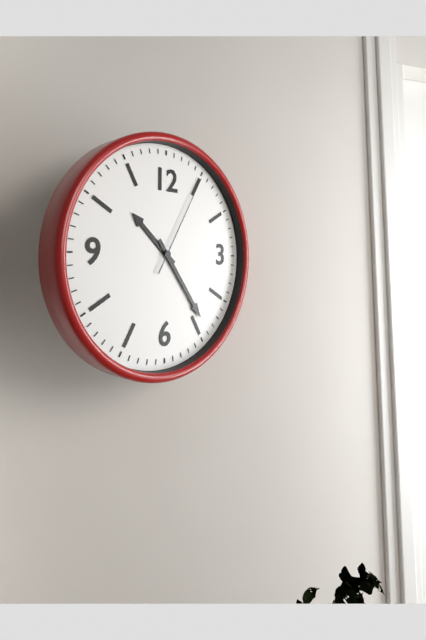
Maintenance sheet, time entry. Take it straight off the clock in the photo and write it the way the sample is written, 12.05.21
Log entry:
10.24.05
